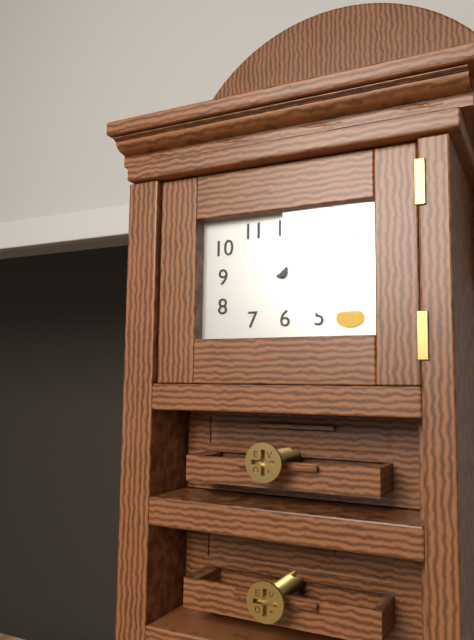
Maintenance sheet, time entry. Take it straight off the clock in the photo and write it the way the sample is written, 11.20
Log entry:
1.11
